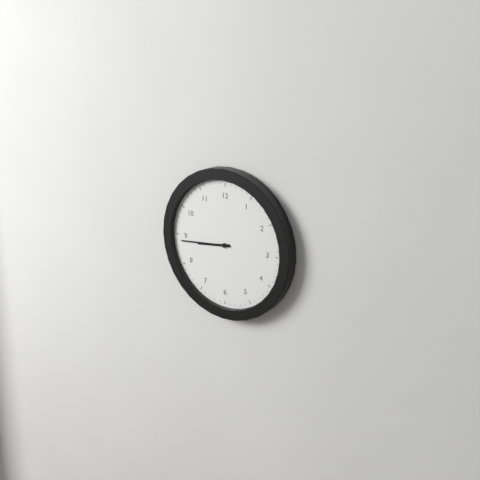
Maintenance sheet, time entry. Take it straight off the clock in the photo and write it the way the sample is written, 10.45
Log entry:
8.44
